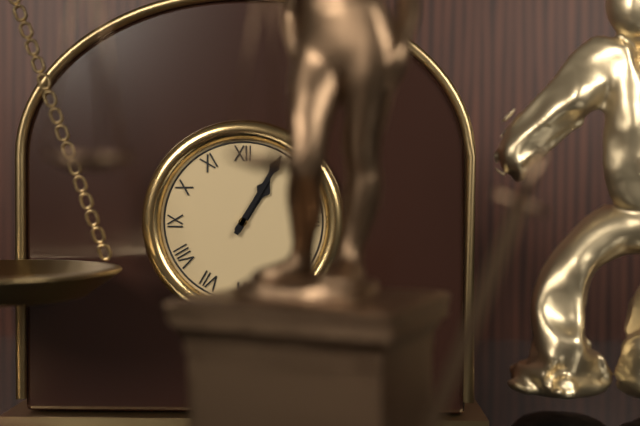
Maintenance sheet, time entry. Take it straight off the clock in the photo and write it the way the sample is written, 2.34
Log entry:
1.05
